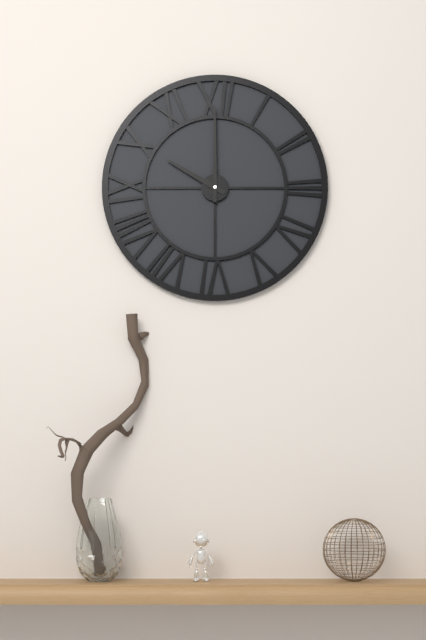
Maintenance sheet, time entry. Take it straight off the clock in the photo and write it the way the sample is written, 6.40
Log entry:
10.00
